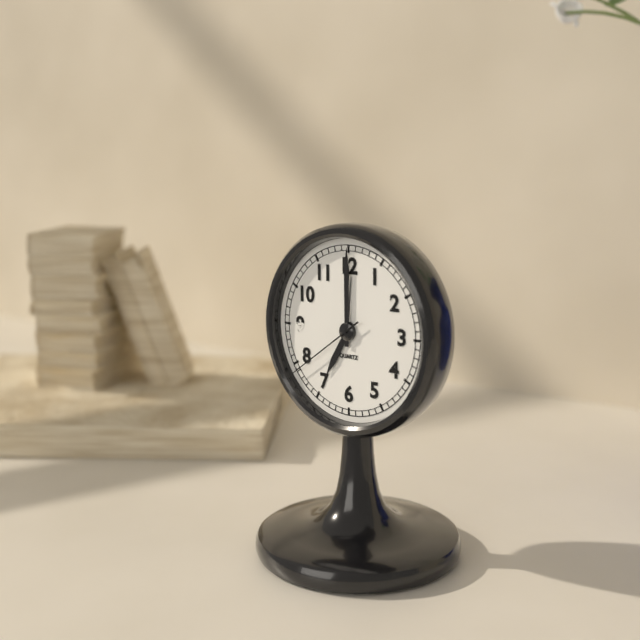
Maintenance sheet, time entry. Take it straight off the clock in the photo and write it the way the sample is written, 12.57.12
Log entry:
7.00.39
